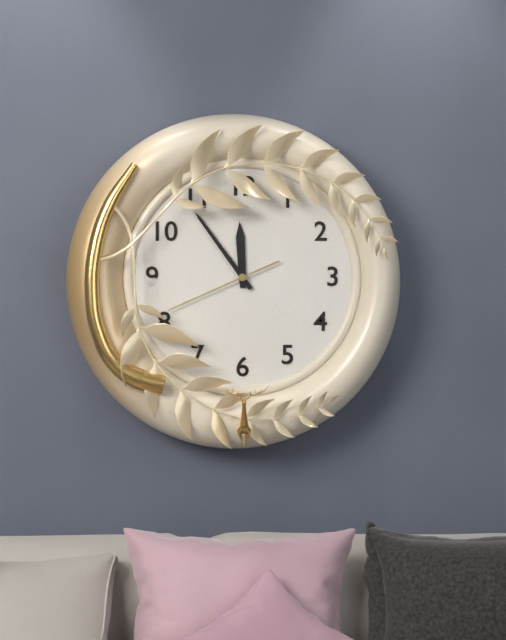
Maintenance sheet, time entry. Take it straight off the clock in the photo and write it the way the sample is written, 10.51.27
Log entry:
11.54.41
